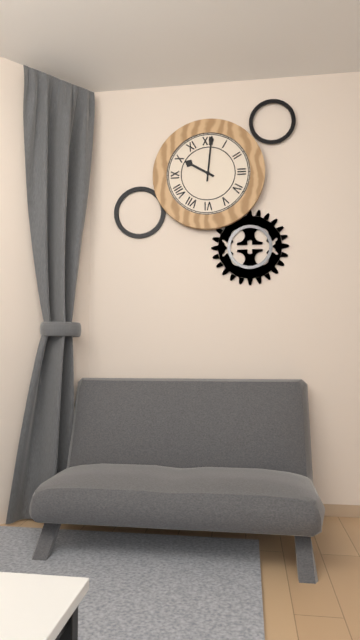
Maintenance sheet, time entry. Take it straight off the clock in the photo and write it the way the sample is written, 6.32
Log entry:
10.01
